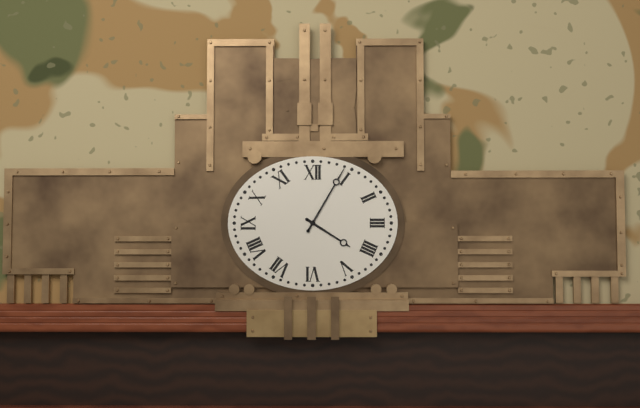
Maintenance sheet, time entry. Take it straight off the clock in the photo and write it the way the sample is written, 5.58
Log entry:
4.05
